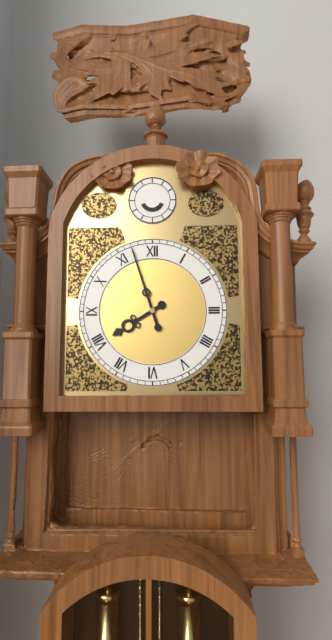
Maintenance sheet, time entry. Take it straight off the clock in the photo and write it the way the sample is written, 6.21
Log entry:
7.57
